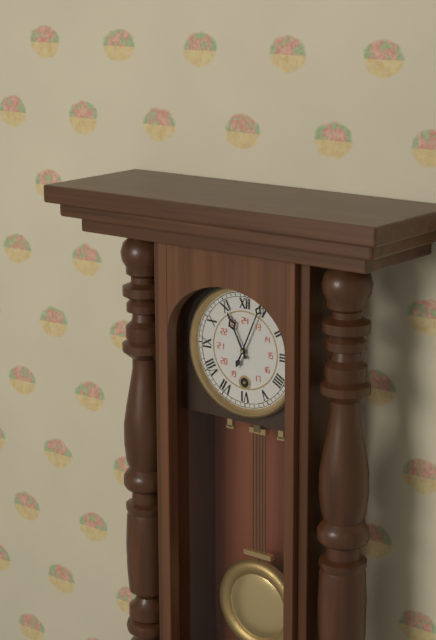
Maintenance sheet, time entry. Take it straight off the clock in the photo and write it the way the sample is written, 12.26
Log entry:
11.04
